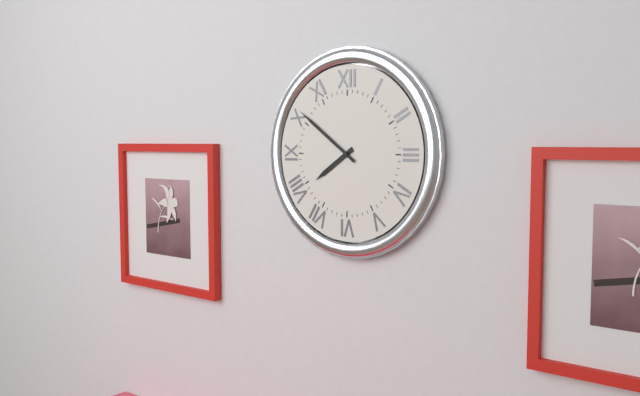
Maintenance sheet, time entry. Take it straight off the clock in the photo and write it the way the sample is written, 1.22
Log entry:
7.51
